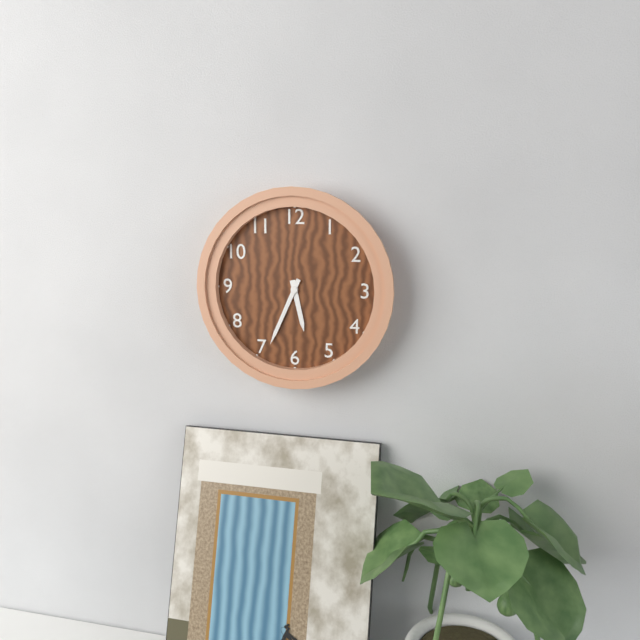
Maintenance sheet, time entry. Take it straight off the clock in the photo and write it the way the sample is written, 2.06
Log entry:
5.34
